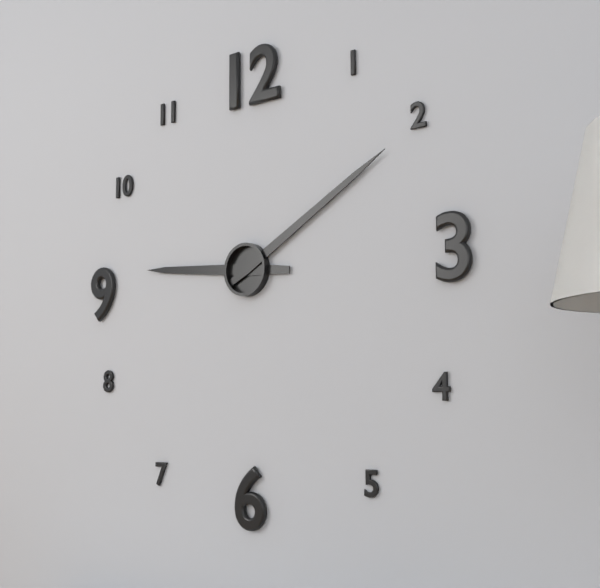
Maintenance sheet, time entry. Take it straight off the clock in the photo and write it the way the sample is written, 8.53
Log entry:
9.10
